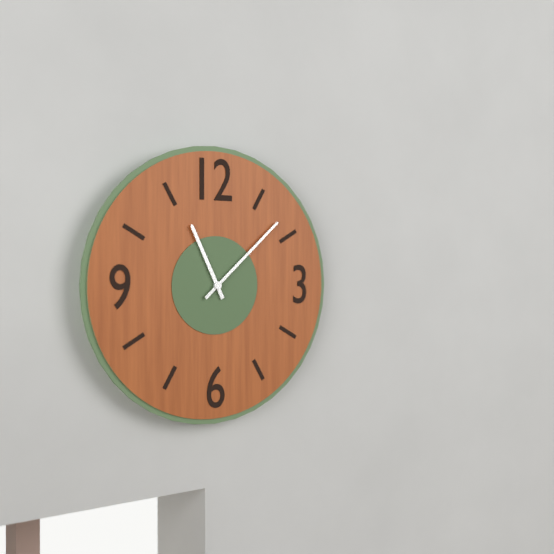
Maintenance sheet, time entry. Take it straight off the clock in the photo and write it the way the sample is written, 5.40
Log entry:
11.08
